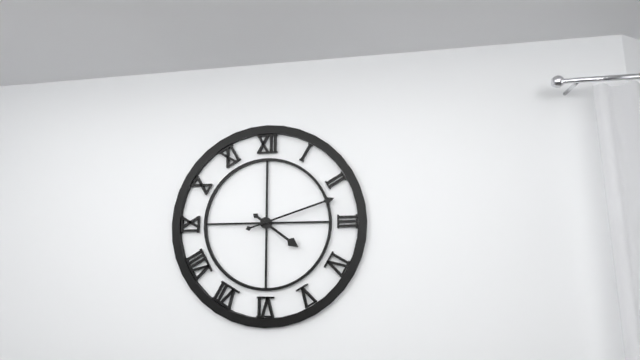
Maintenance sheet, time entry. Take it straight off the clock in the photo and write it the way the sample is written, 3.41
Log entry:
4.12
